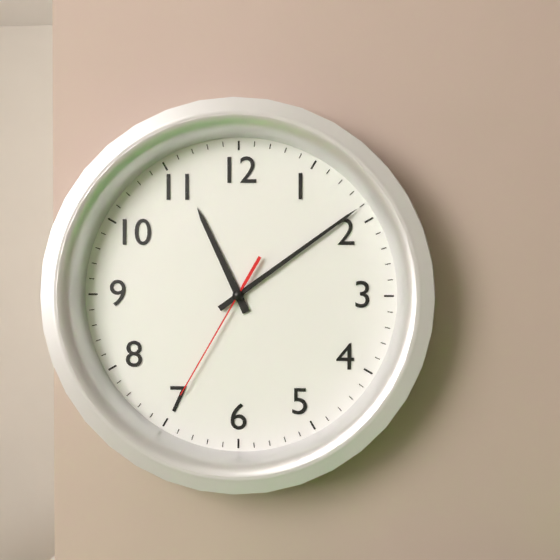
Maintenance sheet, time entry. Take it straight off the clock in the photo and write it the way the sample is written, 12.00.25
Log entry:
11.09.35
